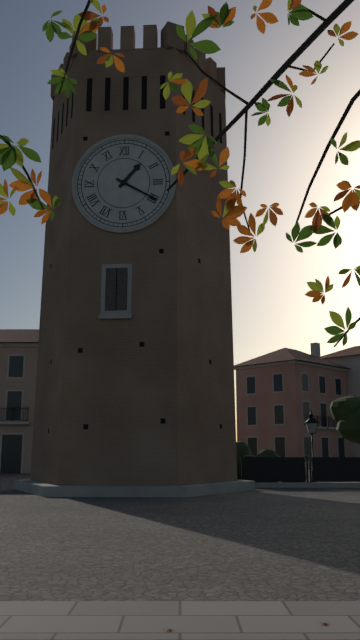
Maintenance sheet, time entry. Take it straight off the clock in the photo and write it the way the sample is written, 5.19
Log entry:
1.20
